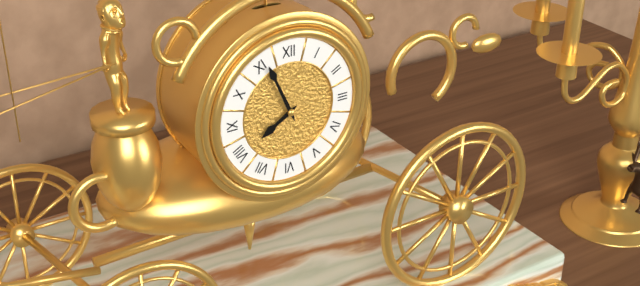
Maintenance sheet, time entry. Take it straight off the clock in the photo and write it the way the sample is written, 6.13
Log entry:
7.56
